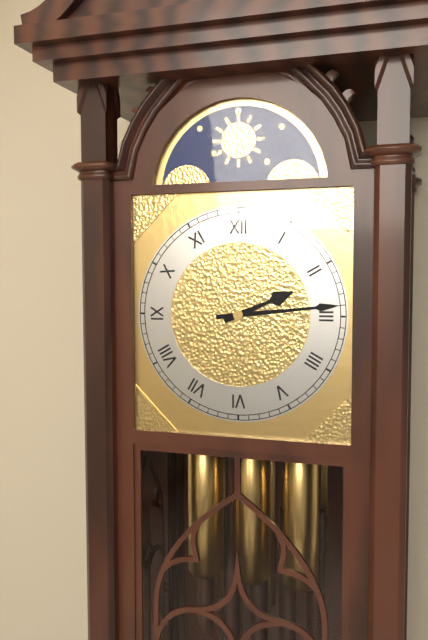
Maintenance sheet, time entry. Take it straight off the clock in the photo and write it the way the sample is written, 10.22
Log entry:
2.14
